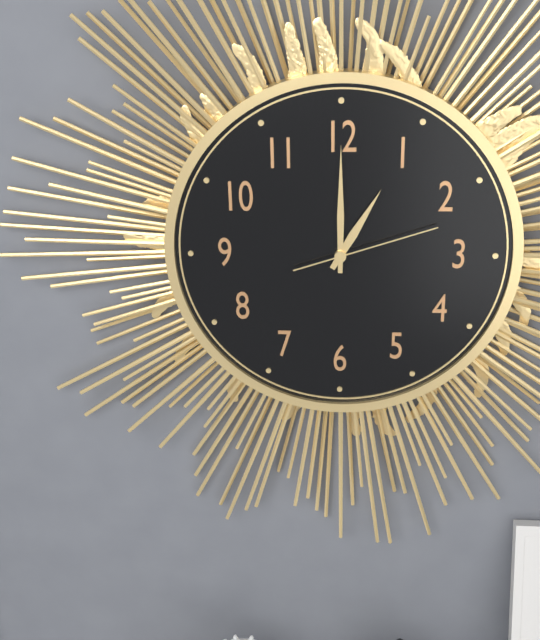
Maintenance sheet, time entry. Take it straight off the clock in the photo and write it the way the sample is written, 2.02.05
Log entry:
1.00.12
